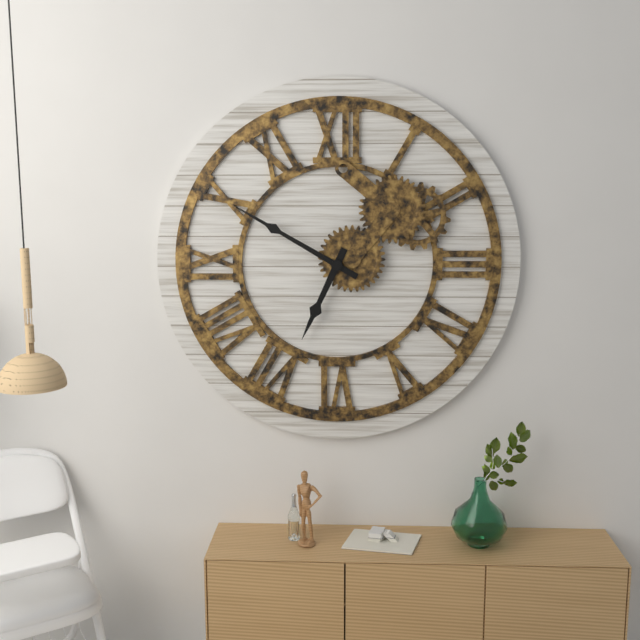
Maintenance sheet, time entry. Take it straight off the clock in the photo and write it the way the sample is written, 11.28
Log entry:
6.50
